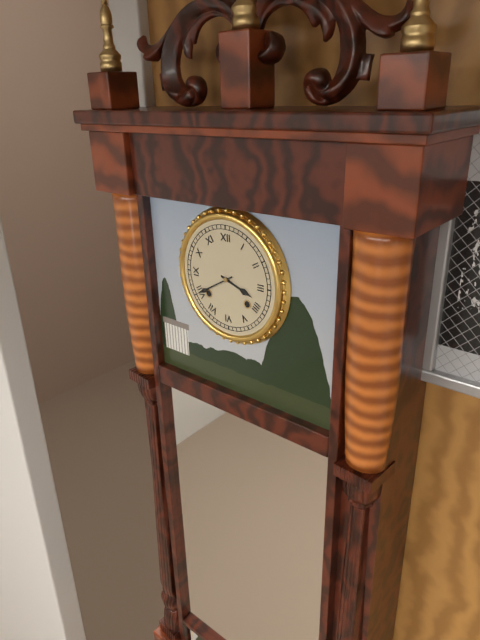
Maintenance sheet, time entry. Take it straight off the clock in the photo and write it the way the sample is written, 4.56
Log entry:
3.40
